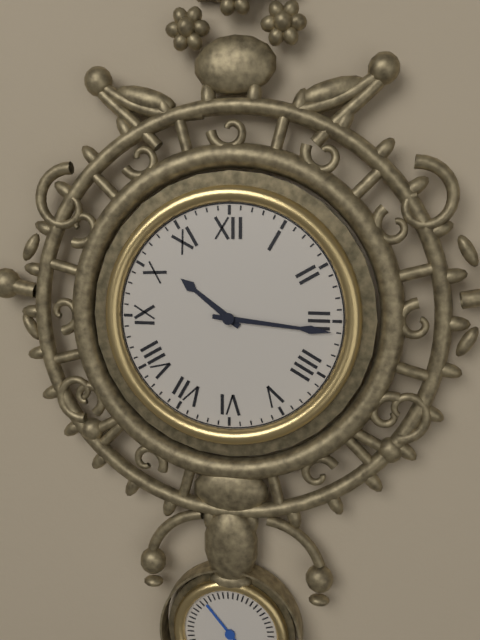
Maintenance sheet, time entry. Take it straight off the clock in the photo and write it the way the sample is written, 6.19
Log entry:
10.16
